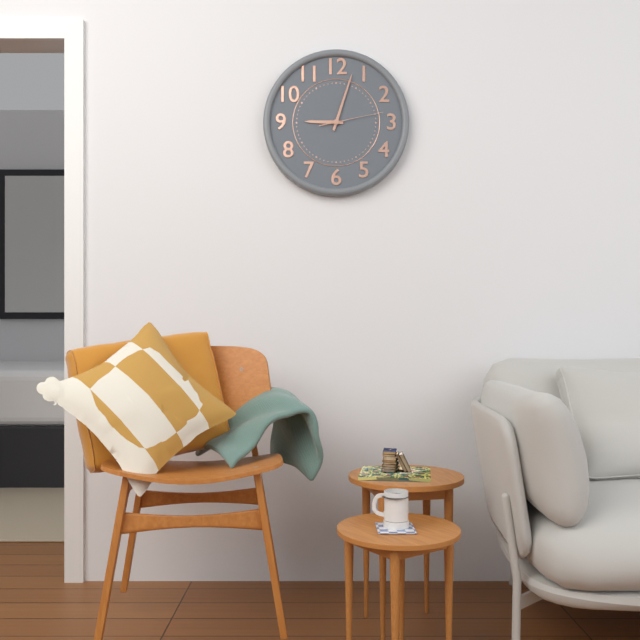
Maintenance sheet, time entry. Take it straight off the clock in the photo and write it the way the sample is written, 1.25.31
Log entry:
9.03.13
